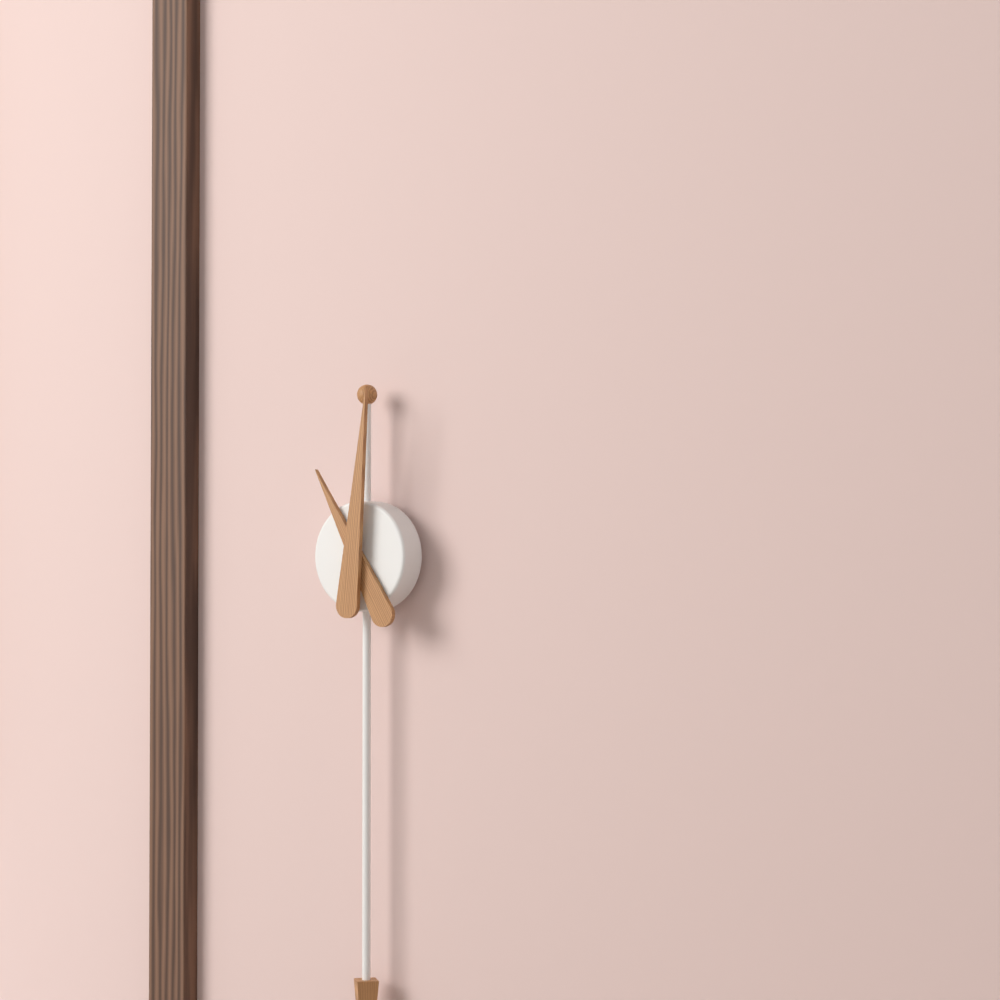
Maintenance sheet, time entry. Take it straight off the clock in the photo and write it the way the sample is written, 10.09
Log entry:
11.01
